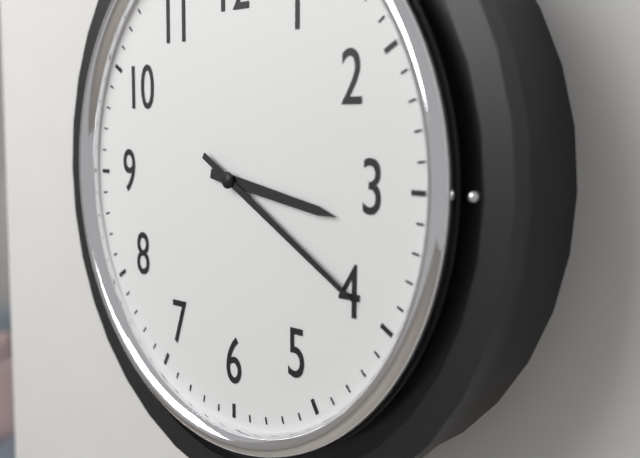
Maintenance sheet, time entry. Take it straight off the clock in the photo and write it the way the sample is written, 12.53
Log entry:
3.20
